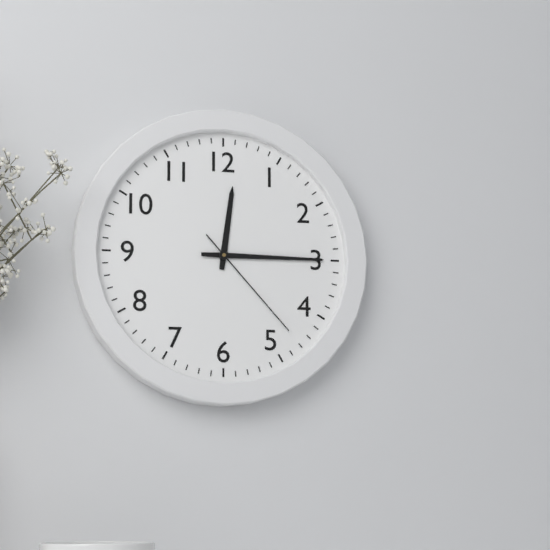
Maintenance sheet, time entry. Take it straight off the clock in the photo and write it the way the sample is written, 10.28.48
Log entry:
12.15.23
